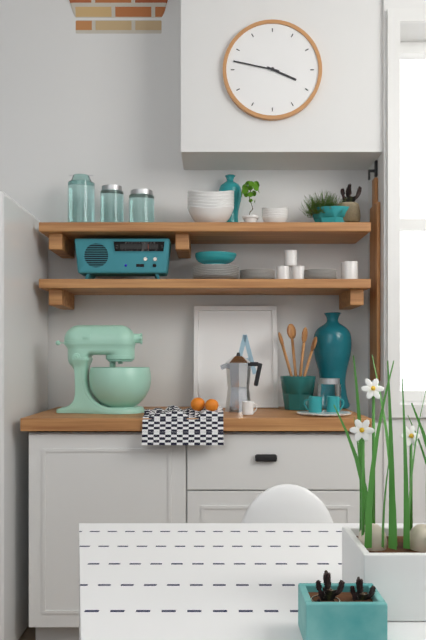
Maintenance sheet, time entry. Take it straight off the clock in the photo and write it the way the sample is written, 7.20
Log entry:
3.47
